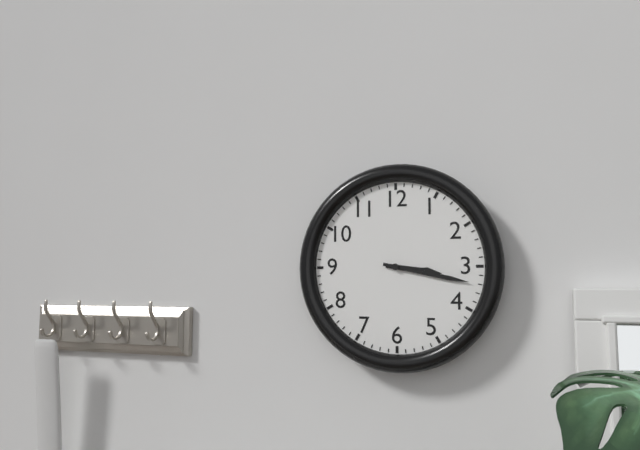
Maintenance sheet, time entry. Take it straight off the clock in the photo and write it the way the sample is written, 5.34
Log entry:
3.17
